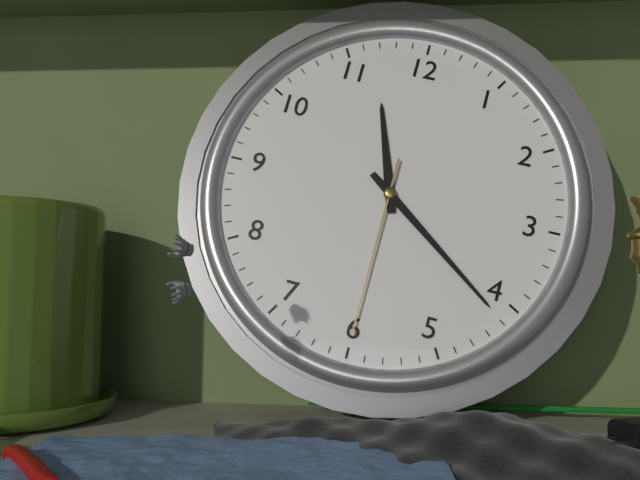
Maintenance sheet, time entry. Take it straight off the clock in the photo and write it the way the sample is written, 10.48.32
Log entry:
11.21.30
